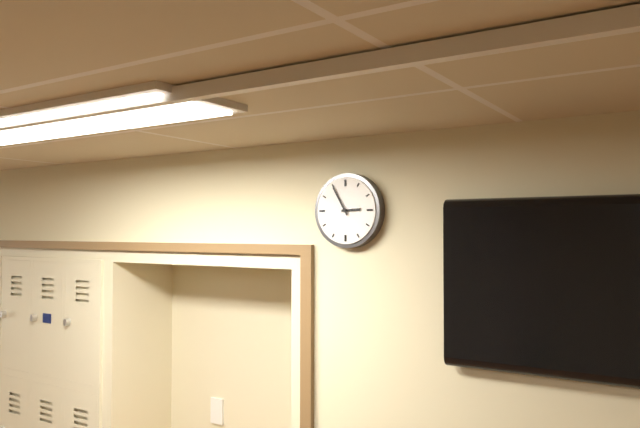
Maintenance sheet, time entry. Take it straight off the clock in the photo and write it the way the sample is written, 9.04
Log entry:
2.55
